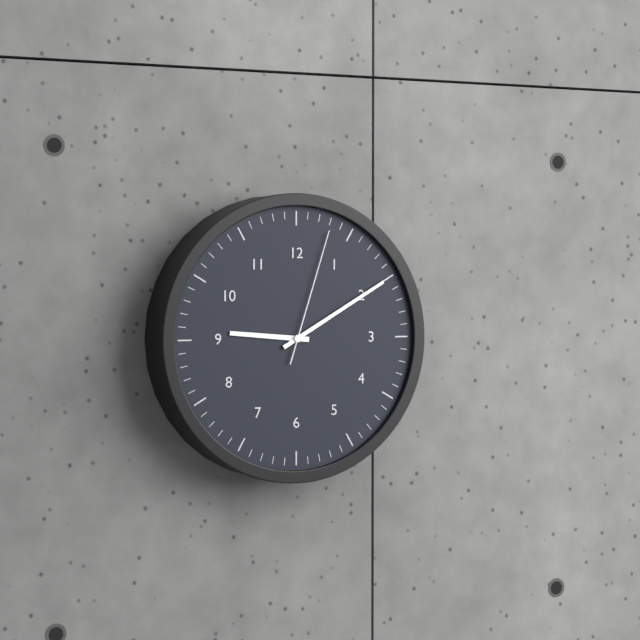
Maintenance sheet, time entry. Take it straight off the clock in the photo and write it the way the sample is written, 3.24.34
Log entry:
9.10.03
